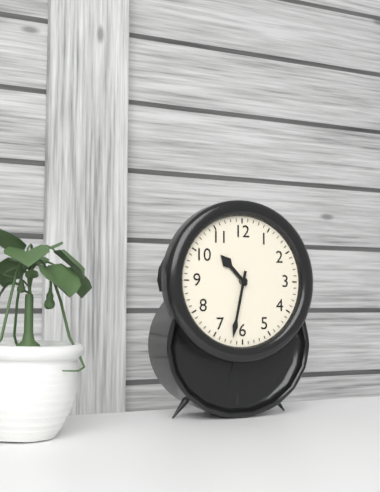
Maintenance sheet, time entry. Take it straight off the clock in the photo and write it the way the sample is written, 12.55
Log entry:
10.32
